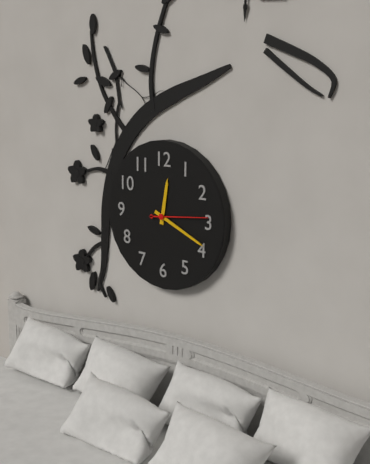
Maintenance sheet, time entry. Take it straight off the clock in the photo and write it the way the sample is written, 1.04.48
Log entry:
12.19.14
